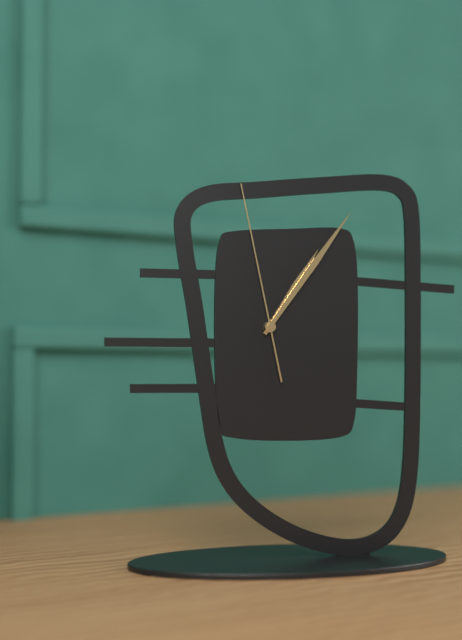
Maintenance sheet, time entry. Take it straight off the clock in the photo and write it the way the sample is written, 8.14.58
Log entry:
1.06.58
